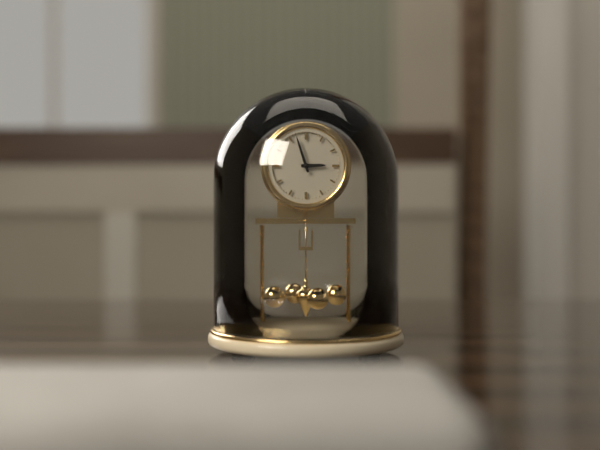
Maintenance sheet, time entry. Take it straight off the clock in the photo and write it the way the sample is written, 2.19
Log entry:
2.57
